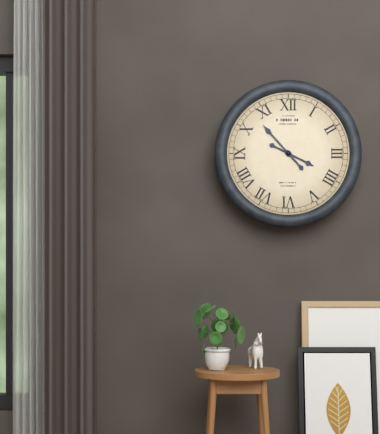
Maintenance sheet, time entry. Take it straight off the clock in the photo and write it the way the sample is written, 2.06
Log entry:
3.53
